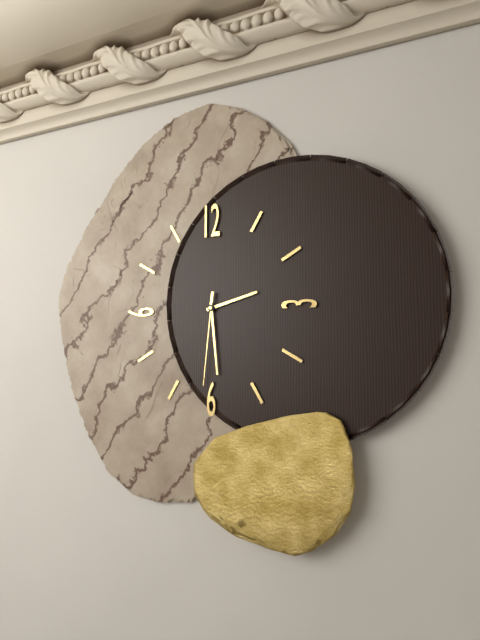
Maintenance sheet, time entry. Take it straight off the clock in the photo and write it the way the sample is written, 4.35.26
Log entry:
2.29.31
